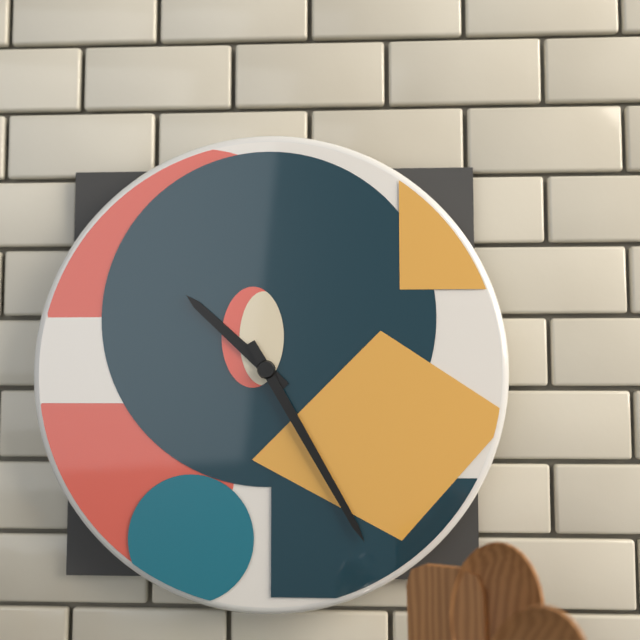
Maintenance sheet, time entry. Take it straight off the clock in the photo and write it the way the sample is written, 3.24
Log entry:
10.25
